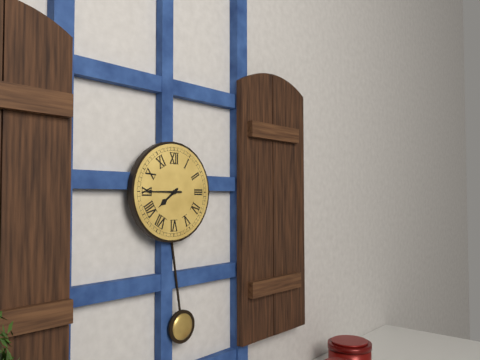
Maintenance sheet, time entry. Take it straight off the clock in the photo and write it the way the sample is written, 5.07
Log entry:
7.45
